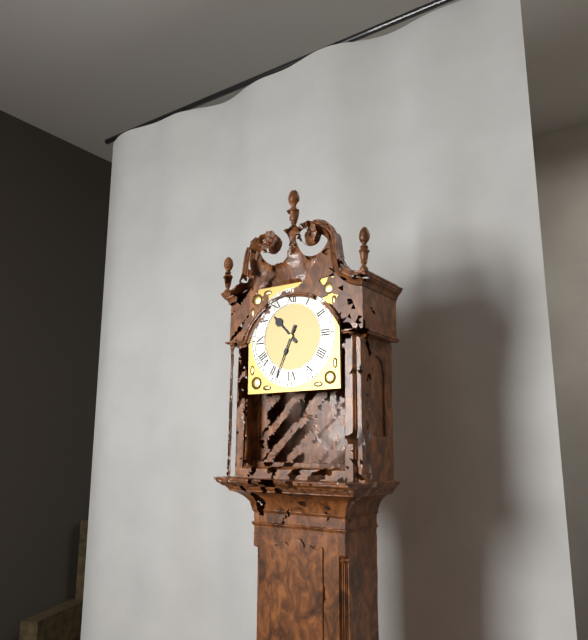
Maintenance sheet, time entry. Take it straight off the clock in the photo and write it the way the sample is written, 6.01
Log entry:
10.34
